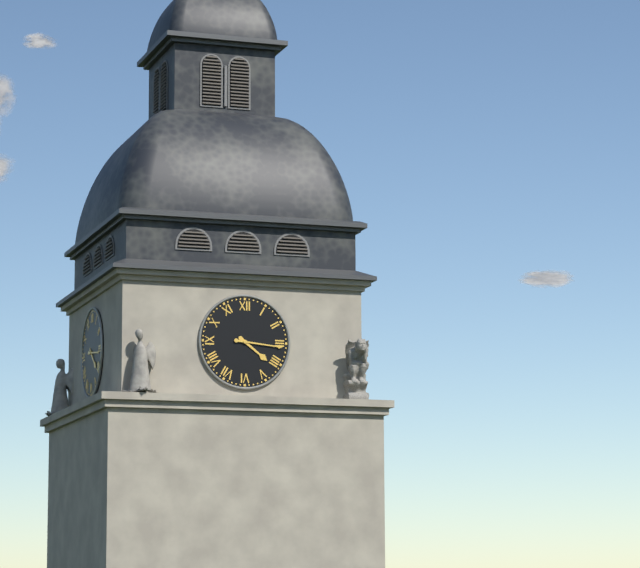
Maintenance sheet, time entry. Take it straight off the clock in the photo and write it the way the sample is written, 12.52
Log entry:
4.16
